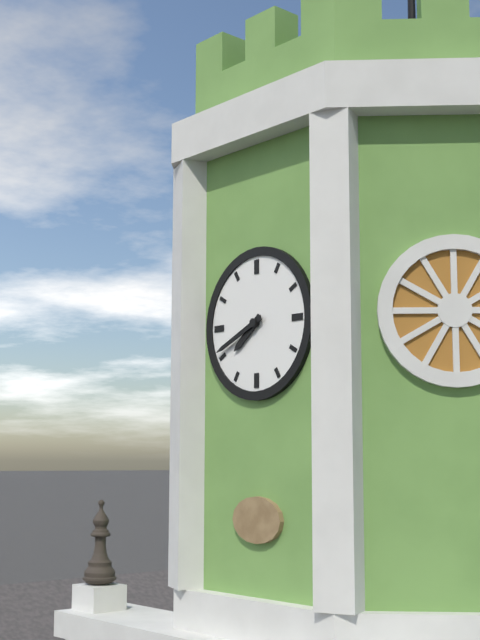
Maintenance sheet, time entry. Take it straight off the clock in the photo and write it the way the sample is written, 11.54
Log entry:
7.41
